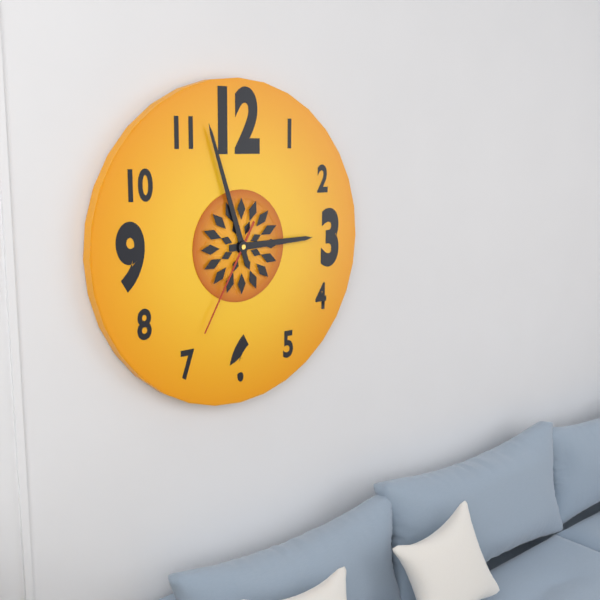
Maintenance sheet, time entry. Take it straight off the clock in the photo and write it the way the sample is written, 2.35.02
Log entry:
2.57.35
